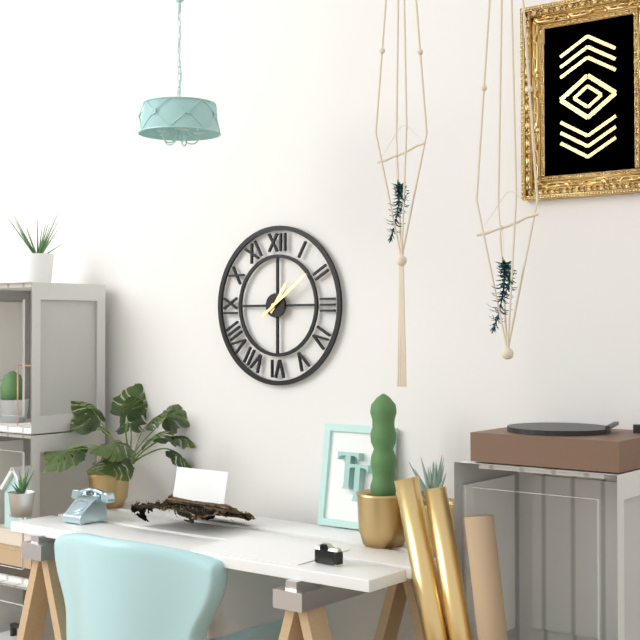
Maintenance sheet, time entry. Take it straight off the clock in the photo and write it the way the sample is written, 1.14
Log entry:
1.09
